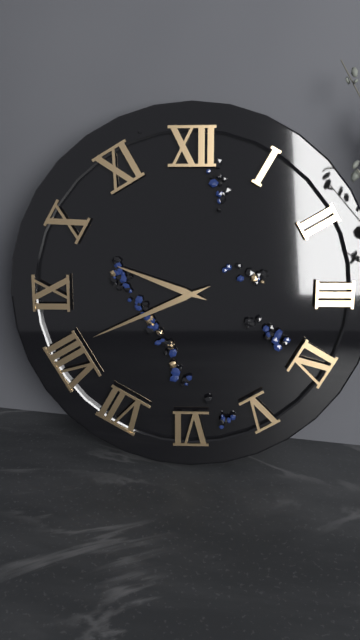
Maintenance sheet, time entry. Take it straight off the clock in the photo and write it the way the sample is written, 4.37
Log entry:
9.41
